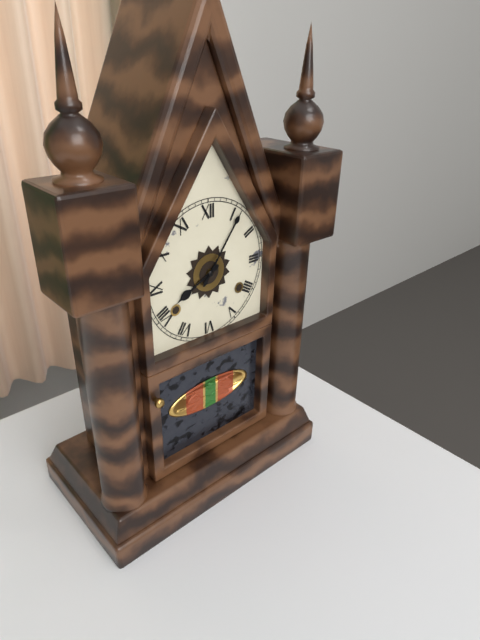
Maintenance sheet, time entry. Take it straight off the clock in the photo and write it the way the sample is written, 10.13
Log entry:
8.06
